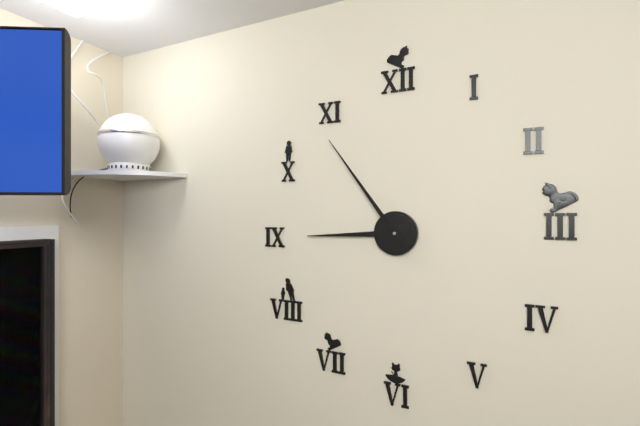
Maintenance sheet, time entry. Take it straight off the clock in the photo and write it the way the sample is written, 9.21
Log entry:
8.54
